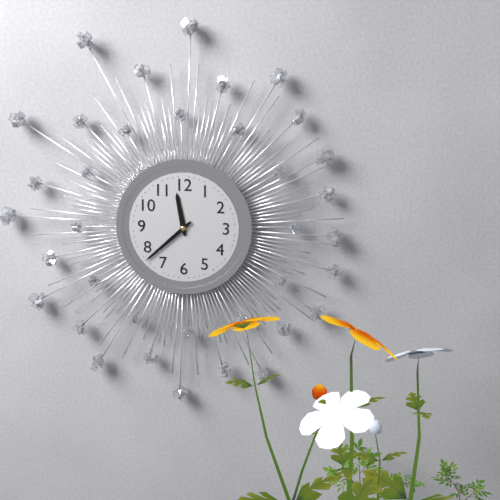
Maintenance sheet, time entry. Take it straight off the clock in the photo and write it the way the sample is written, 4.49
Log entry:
11.38
